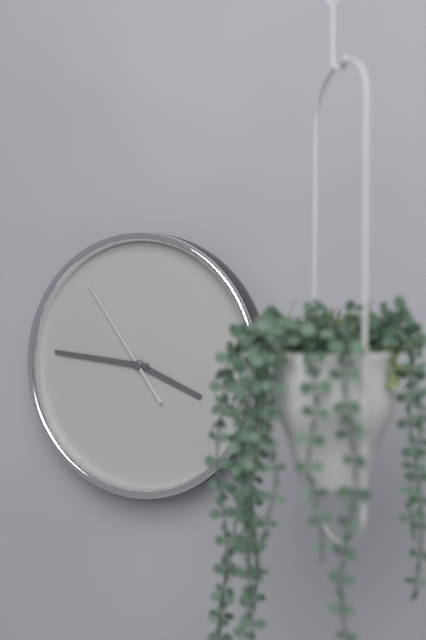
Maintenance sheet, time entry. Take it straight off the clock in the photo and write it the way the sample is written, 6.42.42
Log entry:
3.46.54
